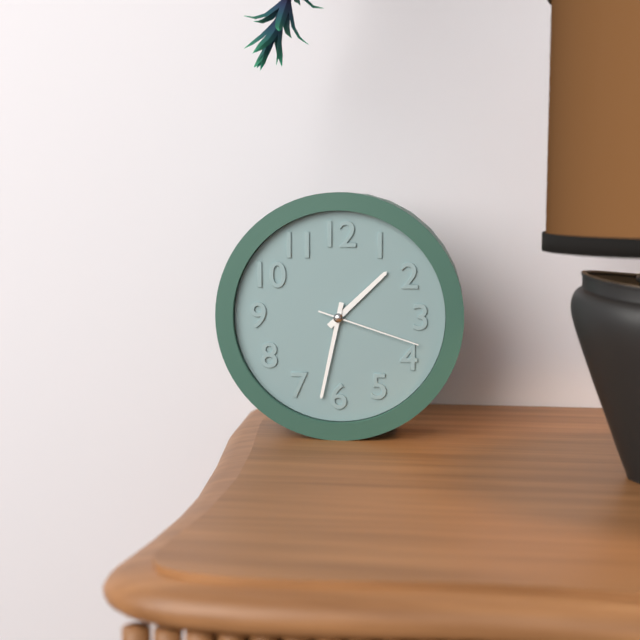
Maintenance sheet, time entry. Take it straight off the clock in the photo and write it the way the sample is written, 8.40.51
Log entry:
1.32.18
